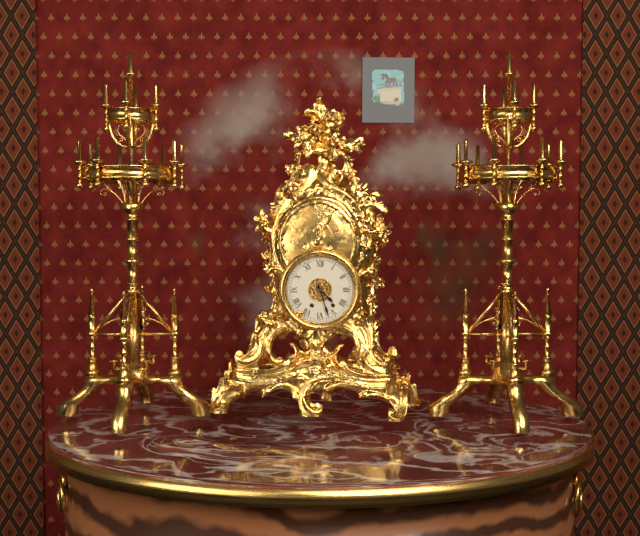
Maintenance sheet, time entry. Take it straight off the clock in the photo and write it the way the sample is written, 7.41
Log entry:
4.27
